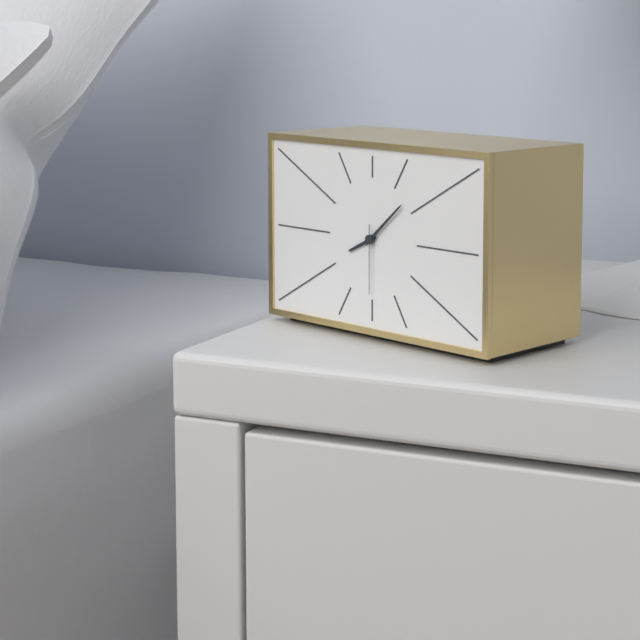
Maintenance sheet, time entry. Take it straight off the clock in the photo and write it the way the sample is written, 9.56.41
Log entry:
8.08.30
